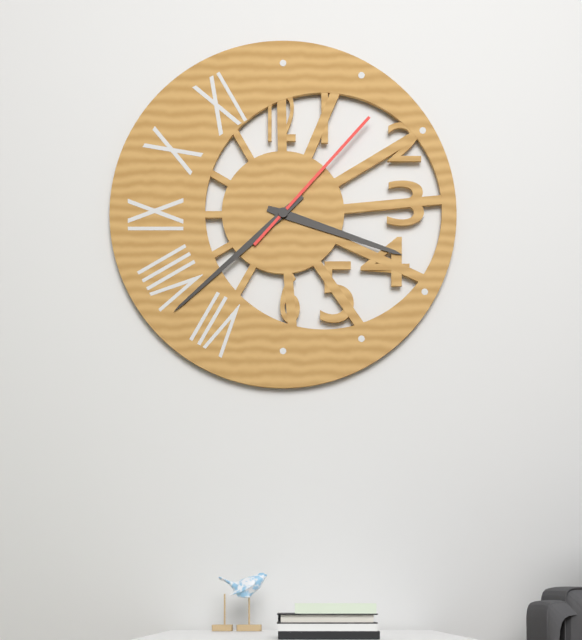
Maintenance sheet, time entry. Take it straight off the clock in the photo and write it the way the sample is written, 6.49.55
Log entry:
3.38.07
